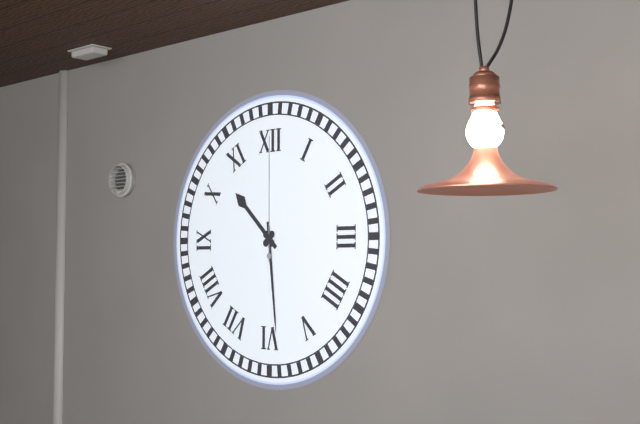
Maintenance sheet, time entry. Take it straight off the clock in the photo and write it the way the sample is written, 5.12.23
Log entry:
10.29.00
